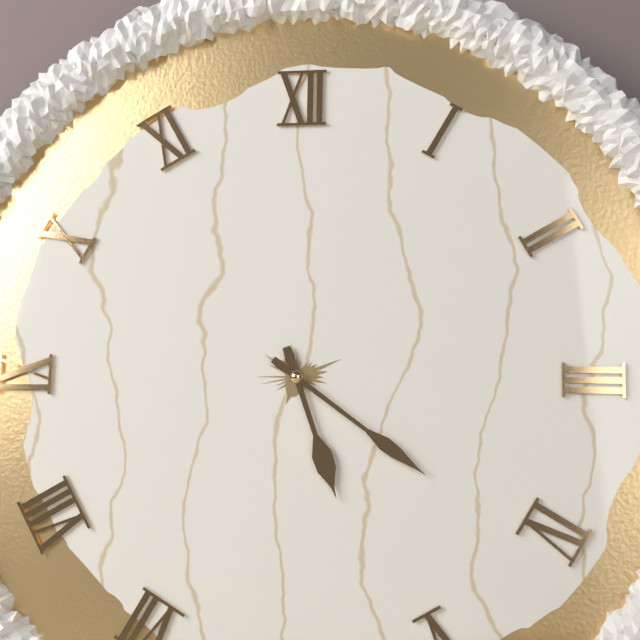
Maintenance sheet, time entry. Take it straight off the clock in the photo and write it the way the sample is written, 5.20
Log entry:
5.21
